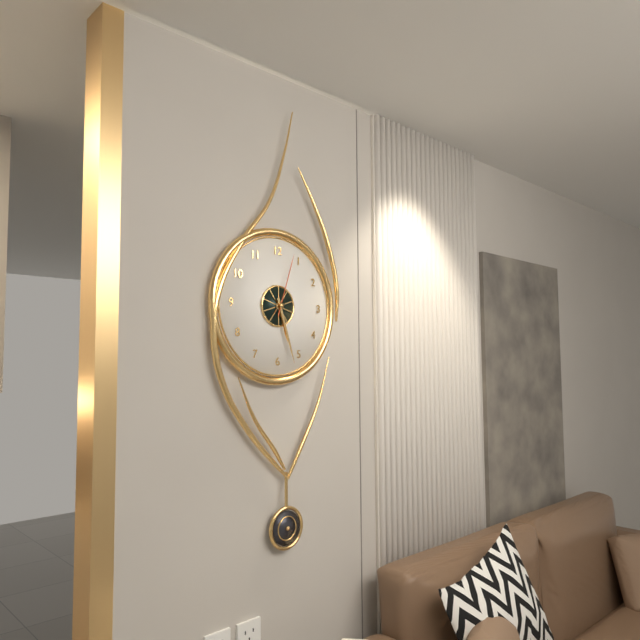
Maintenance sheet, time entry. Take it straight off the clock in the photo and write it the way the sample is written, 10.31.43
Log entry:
5.27.03
